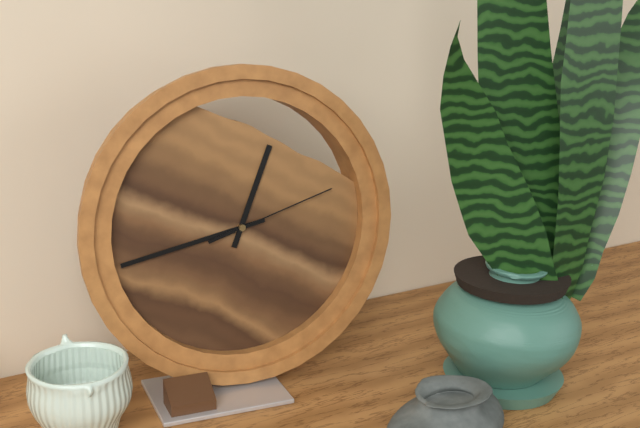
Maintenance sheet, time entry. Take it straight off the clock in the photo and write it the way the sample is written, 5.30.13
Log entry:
12.43.12
